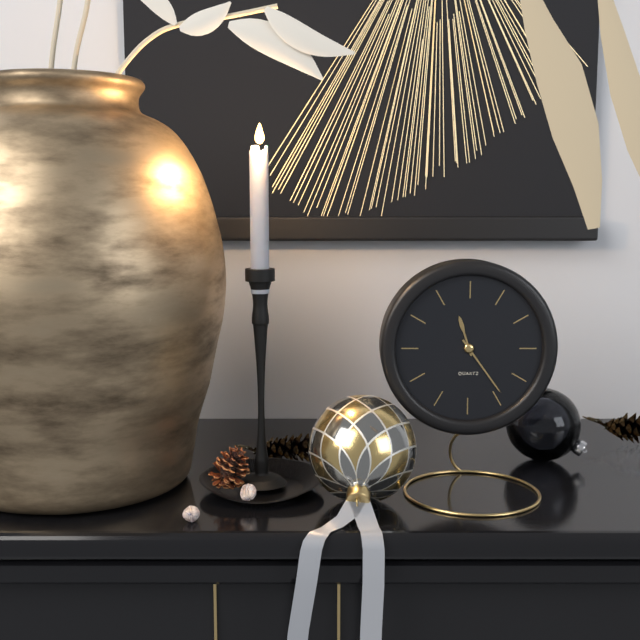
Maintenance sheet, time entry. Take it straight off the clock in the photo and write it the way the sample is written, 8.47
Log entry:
11.24
